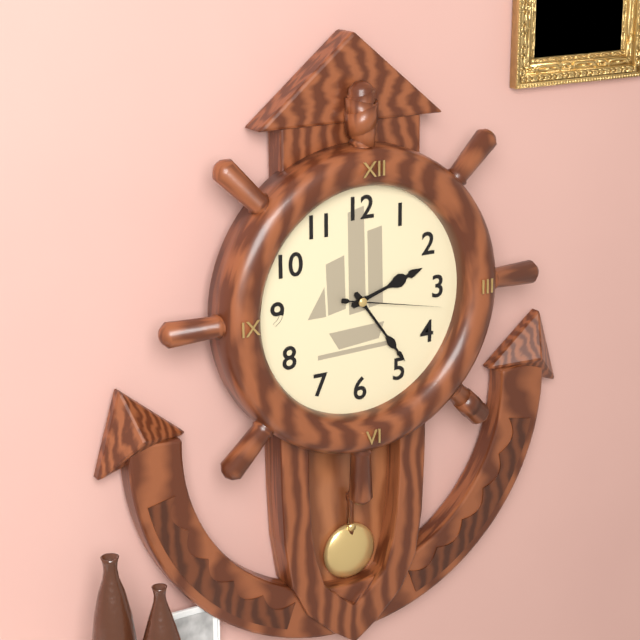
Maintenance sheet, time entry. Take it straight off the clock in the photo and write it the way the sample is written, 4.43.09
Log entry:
2.24.17
